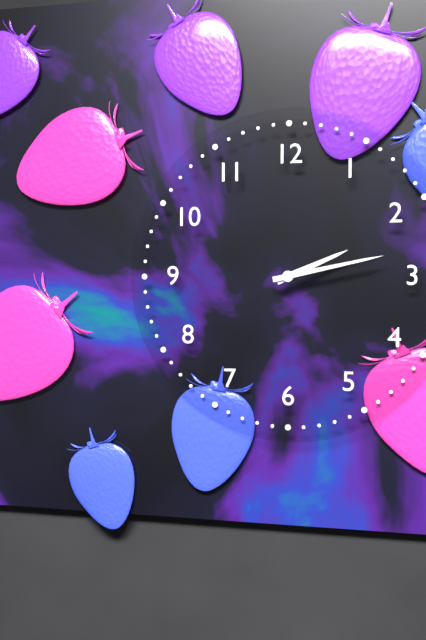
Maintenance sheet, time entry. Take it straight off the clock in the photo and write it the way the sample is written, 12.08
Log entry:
2.13
